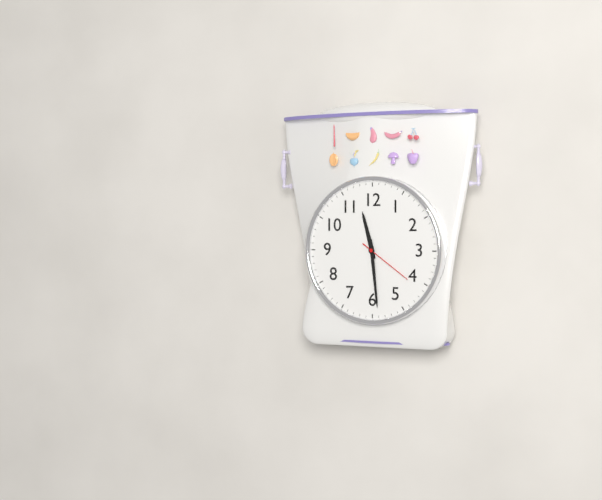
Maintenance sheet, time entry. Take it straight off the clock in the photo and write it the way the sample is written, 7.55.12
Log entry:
11.29.21
